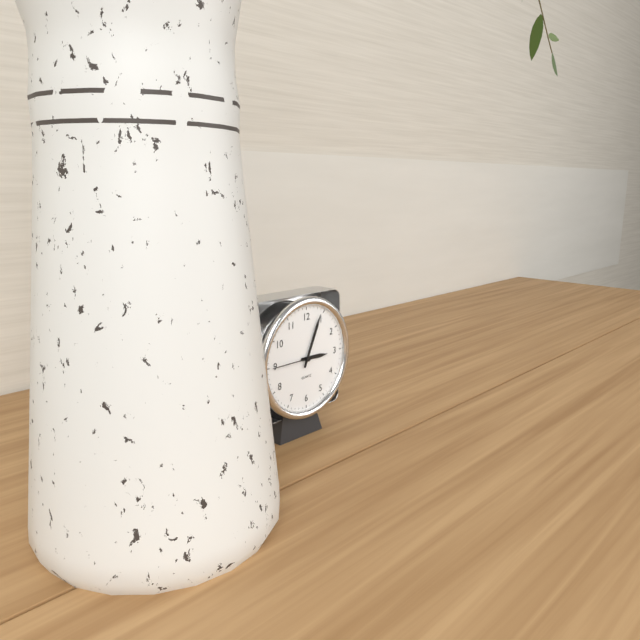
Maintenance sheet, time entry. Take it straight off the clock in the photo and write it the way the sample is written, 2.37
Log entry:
3.04
